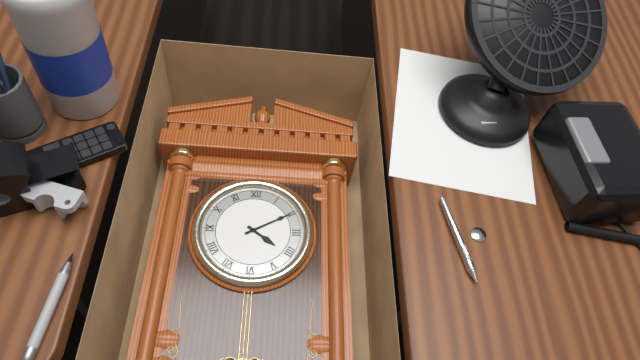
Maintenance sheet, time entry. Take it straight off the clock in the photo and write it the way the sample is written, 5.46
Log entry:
4.10
